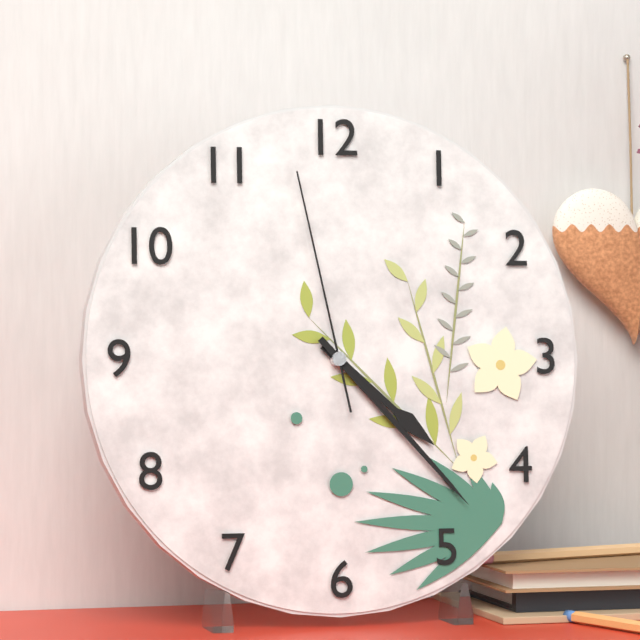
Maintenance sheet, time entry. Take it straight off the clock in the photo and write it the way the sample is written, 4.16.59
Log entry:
4.23.58
